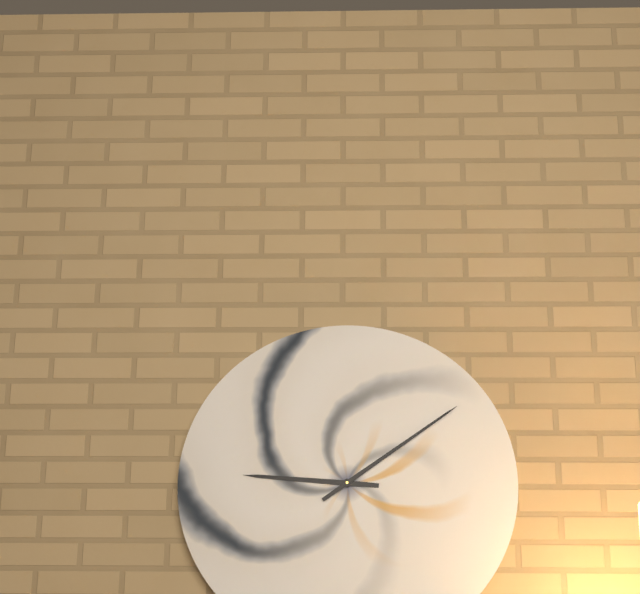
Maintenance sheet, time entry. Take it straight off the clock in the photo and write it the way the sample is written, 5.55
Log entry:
9.09
